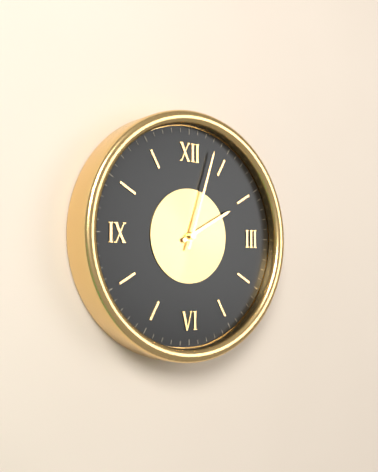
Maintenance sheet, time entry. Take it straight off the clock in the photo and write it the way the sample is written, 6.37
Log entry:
2.03
